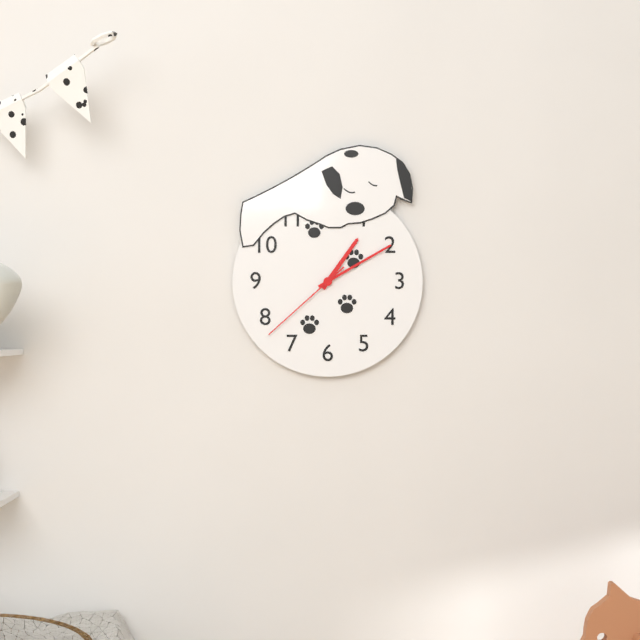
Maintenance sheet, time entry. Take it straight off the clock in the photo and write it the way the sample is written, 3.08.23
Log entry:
1.10.38
